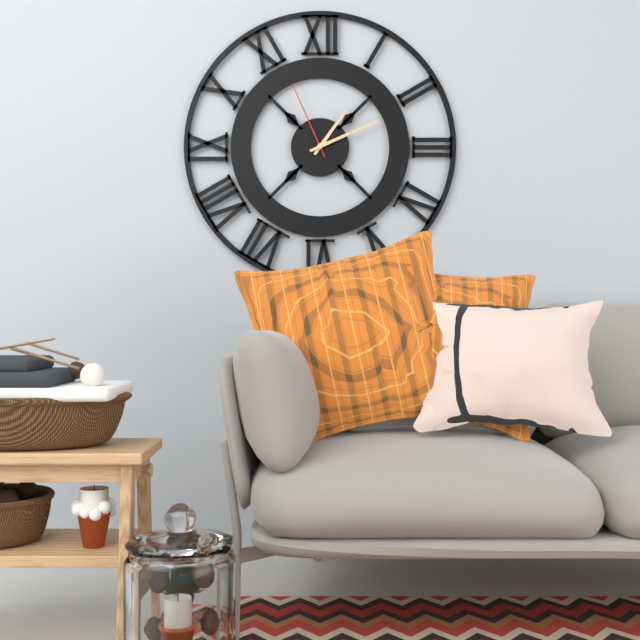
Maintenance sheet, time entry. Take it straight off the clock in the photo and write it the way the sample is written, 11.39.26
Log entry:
1.11.56
